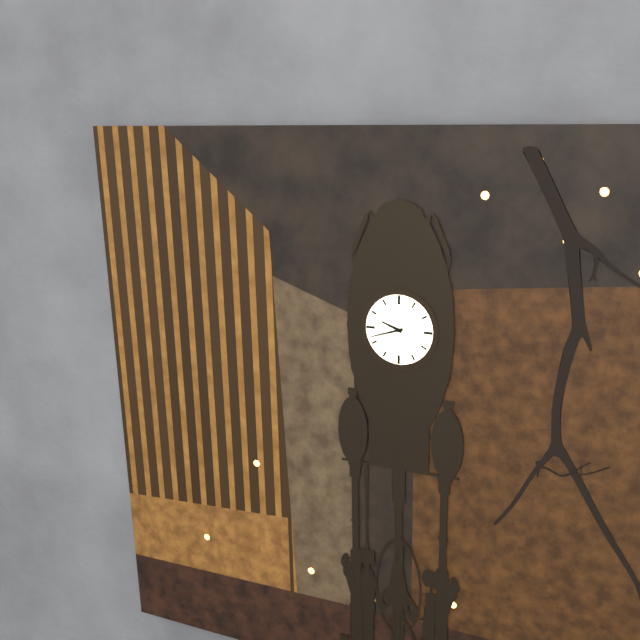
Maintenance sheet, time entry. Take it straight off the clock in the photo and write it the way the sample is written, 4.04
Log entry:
9.42
